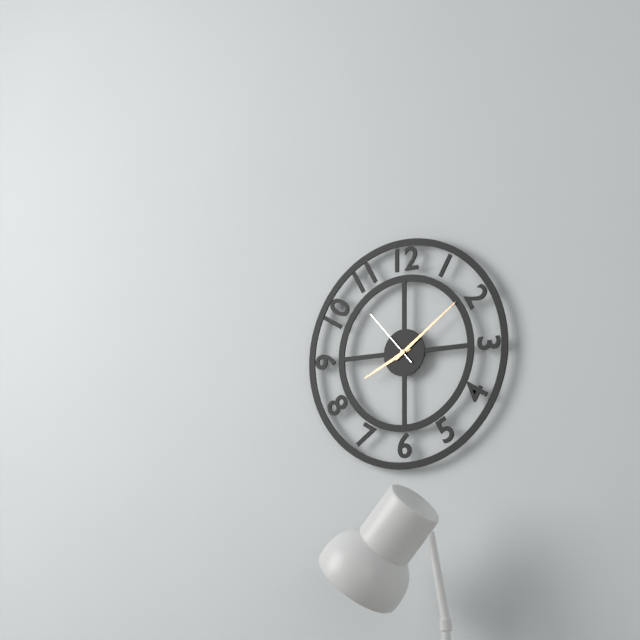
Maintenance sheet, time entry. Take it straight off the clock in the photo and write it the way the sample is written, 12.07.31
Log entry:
8.09.53
